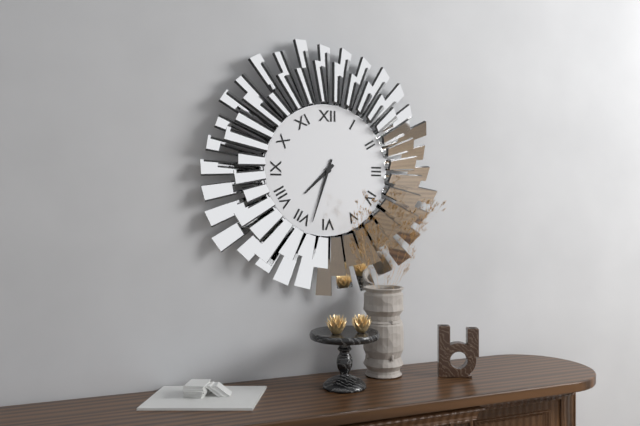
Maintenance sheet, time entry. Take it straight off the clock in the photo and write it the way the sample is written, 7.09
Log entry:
7.33
